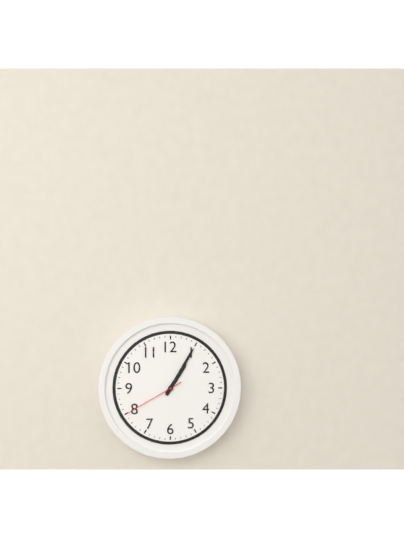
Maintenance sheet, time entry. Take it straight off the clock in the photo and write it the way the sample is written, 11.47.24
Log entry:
1.05.40
